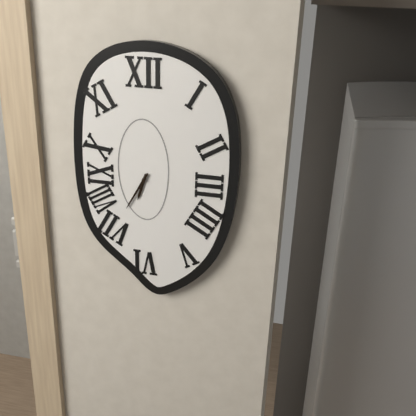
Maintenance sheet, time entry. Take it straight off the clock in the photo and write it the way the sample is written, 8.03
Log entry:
6.35
